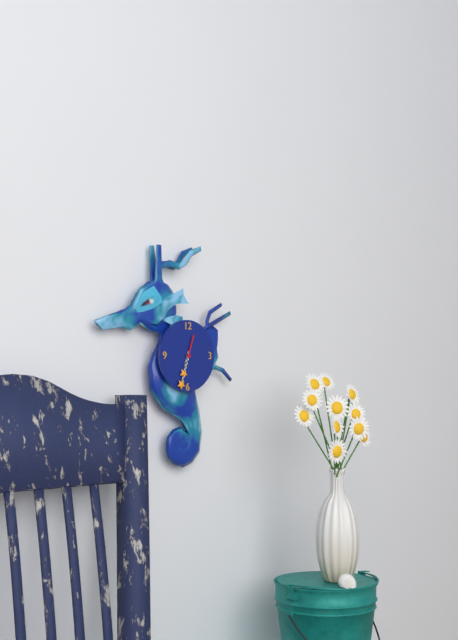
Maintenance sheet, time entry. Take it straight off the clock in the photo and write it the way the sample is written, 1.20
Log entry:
6.33
